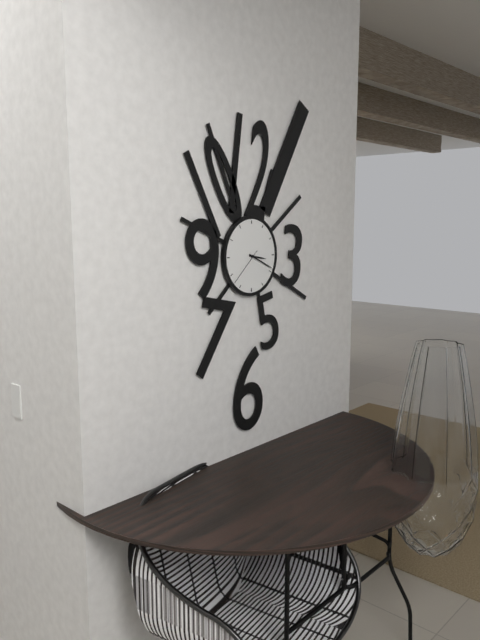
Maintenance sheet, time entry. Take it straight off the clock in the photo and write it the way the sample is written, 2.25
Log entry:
3.19
